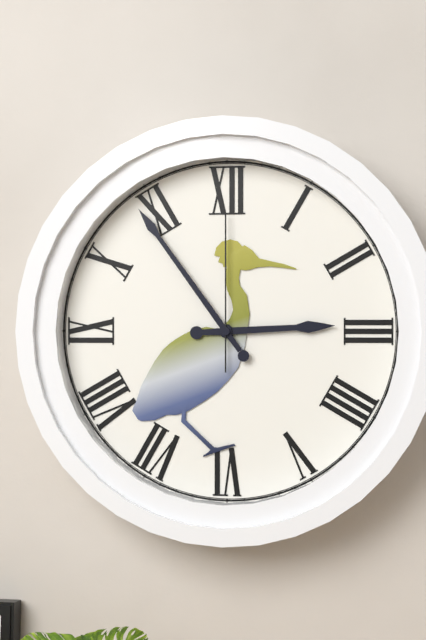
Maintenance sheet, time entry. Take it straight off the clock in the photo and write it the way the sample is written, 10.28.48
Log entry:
2.54.00
